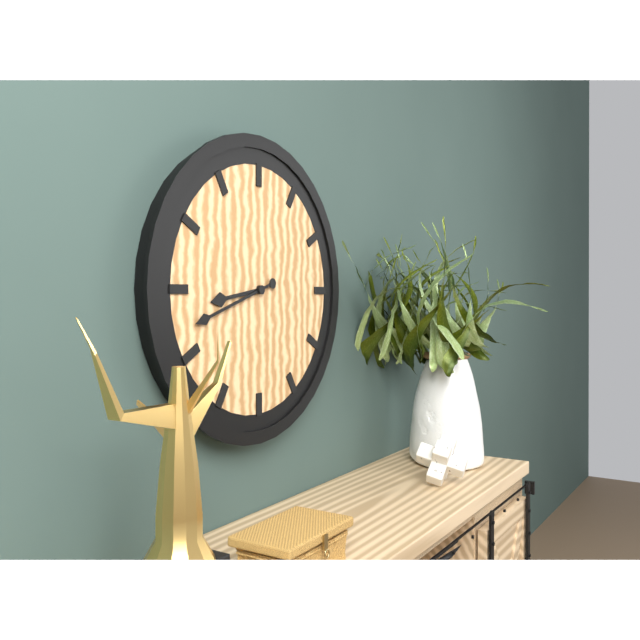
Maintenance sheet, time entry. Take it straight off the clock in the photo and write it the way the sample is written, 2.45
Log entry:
8.42
